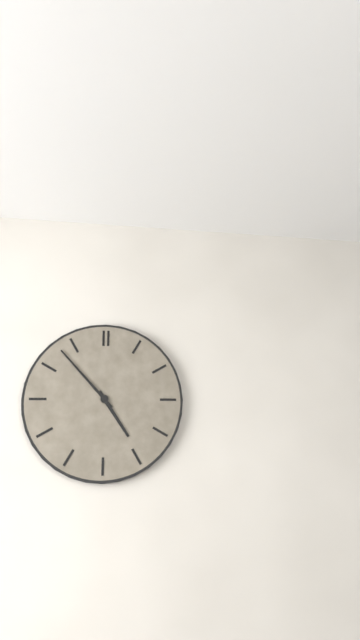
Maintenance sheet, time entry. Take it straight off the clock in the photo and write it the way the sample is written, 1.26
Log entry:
4.53
